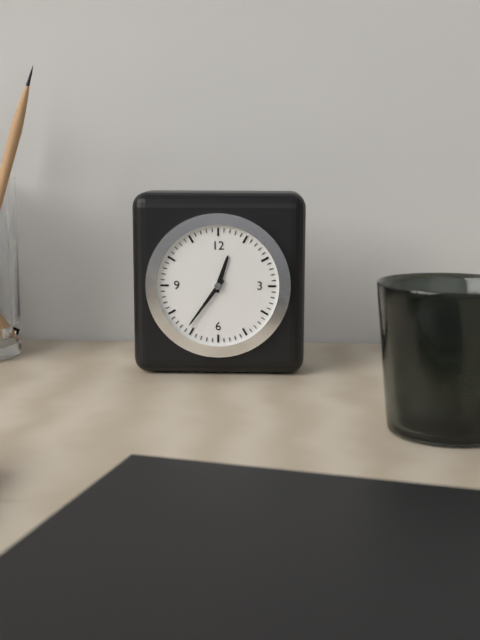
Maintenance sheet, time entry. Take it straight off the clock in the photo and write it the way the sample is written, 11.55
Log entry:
12.36
